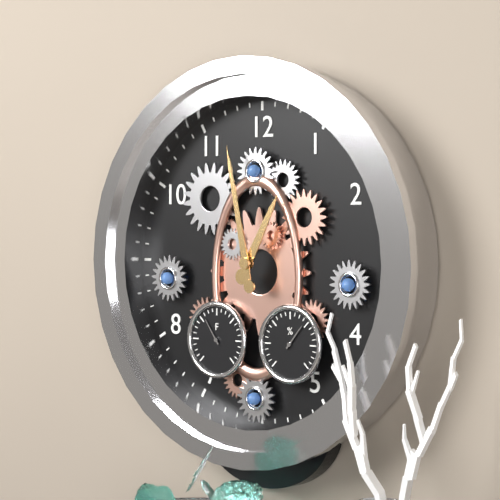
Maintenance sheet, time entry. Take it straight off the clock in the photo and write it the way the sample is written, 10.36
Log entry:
12.58
